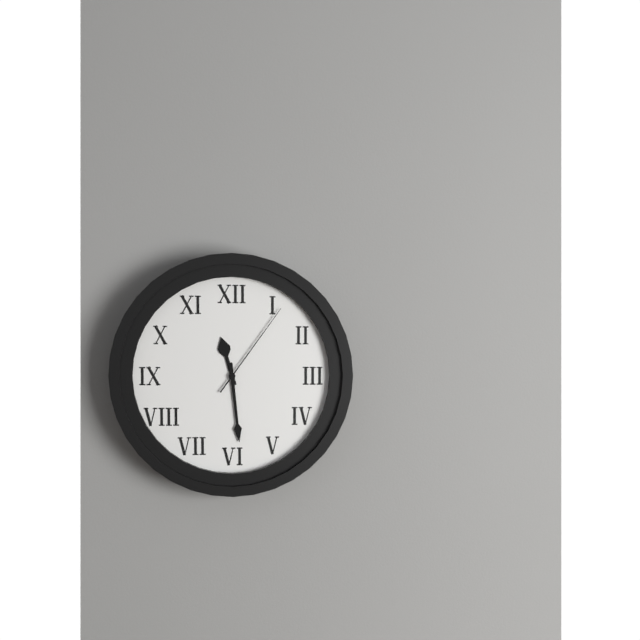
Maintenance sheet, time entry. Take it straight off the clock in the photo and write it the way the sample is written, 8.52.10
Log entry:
11.29.06
